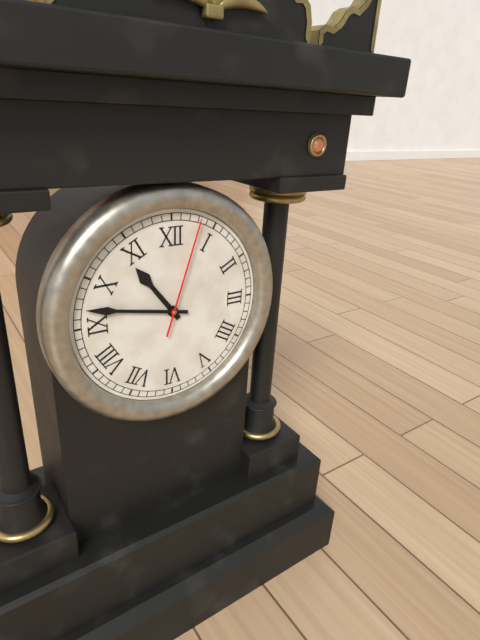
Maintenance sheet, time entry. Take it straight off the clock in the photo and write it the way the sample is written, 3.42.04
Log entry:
10.47.03
